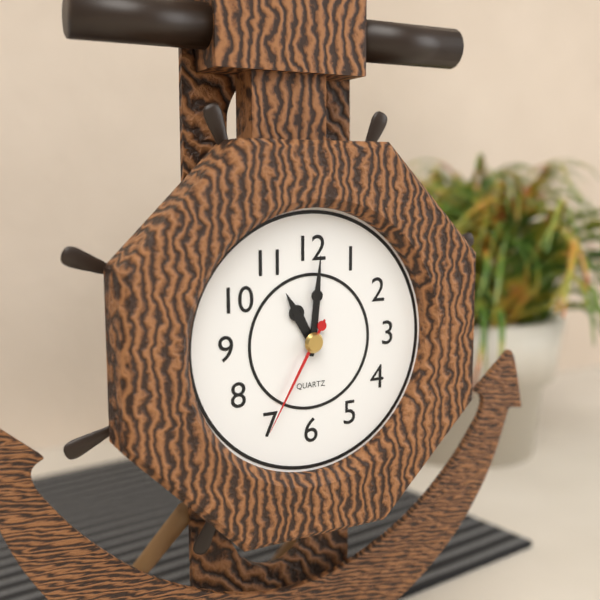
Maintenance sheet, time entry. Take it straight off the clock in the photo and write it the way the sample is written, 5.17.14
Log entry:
11.01.35
